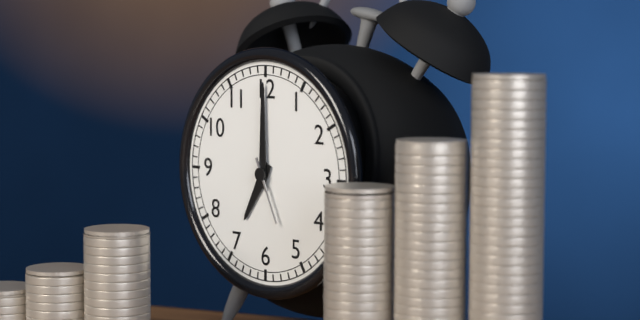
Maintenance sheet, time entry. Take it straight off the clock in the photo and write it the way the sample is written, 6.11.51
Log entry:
7.00.26
